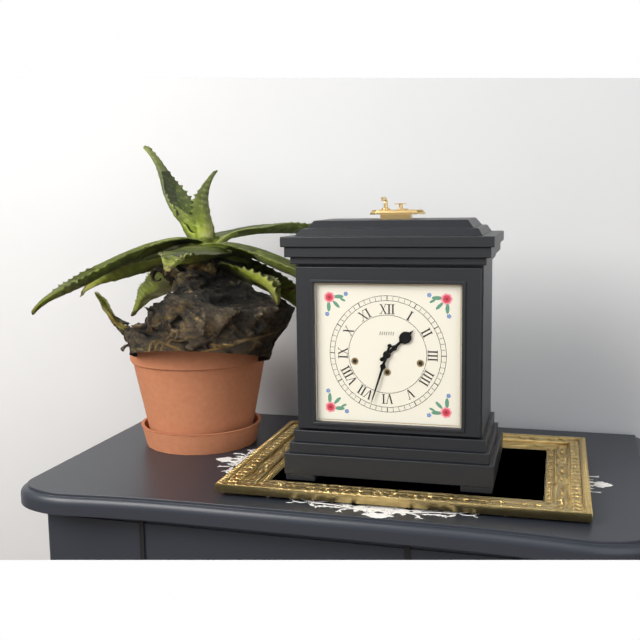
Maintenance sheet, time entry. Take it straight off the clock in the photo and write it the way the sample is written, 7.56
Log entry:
1.33
